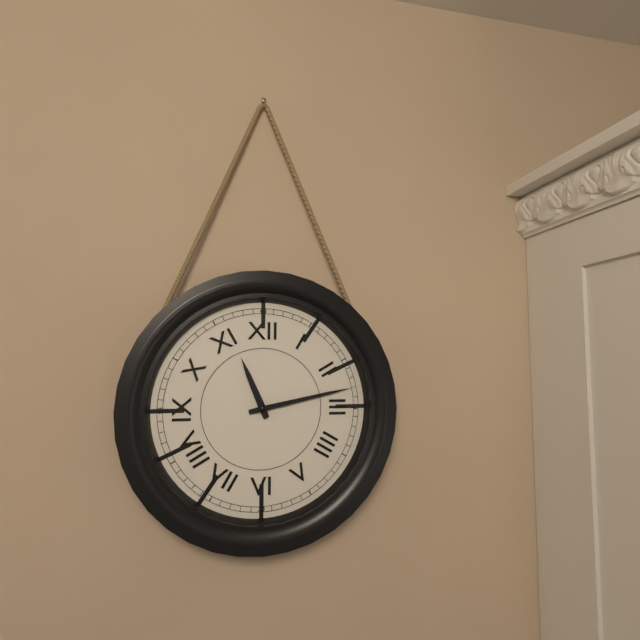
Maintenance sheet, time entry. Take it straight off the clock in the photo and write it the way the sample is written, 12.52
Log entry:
11.13
